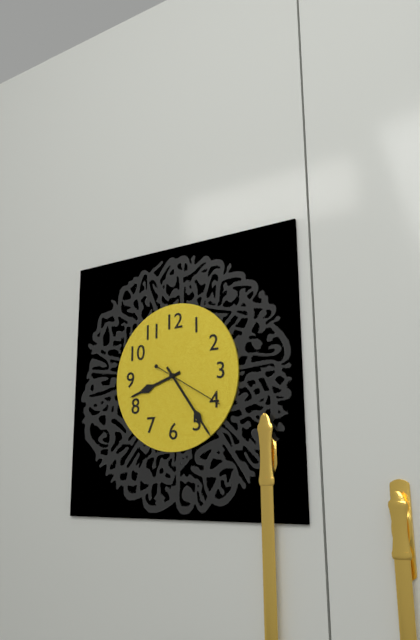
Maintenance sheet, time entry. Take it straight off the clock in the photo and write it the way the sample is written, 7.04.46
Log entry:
8.24.20
